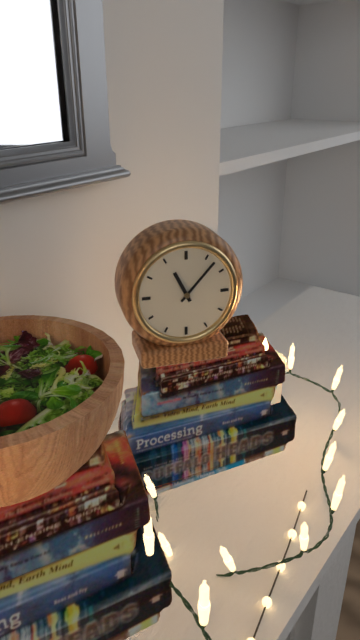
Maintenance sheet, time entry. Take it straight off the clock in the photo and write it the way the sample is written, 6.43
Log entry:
11.07
